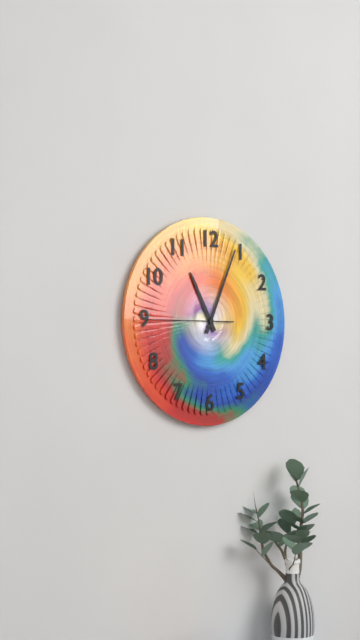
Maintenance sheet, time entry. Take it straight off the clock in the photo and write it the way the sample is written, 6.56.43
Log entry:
11.04.45
